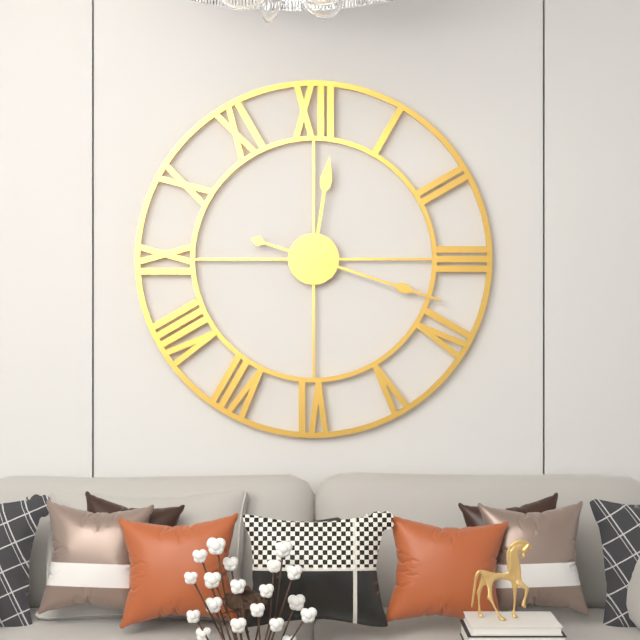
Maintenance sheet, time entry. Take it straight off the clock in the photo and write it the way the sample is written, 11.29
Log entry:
12.18
